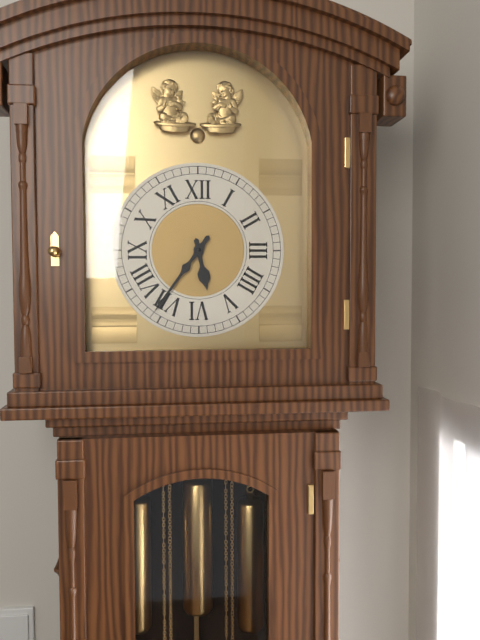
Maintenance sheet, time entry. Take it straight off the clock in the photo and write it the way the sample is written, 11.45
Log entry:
5.36
